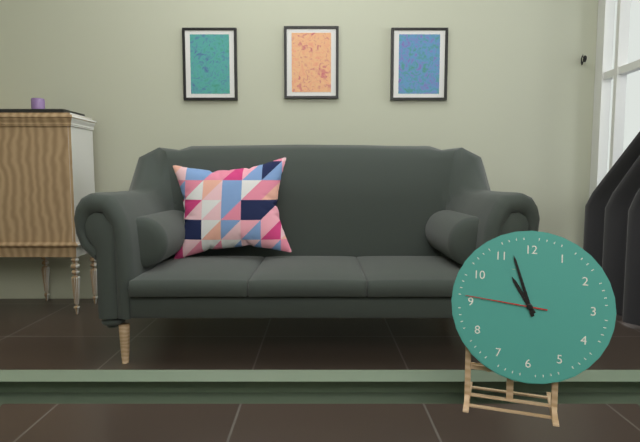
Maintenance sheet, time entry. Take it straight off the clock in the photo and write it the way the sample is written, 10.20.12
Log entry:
10.57.46
